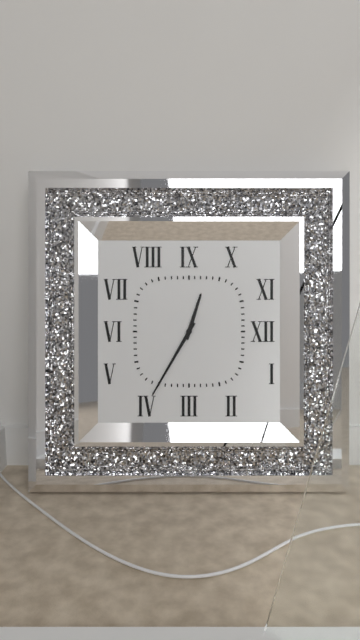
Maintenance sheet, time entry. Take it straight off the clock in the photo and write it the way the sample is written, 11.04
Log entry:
12.35
